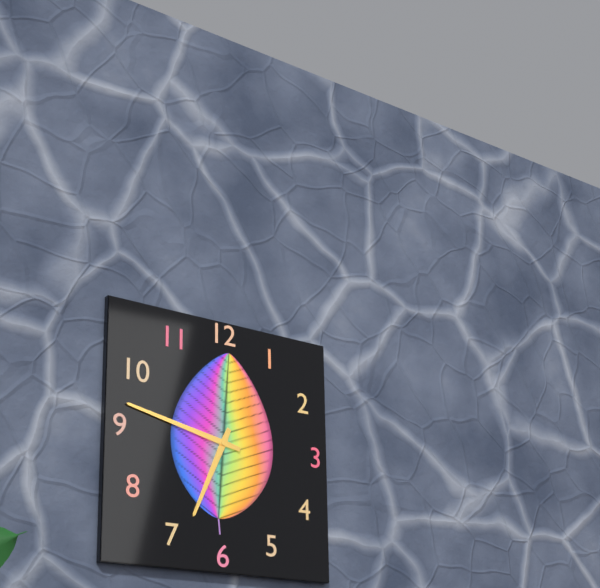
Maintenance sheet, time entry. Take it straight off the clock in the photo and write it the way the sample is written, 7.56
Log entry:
6.47
